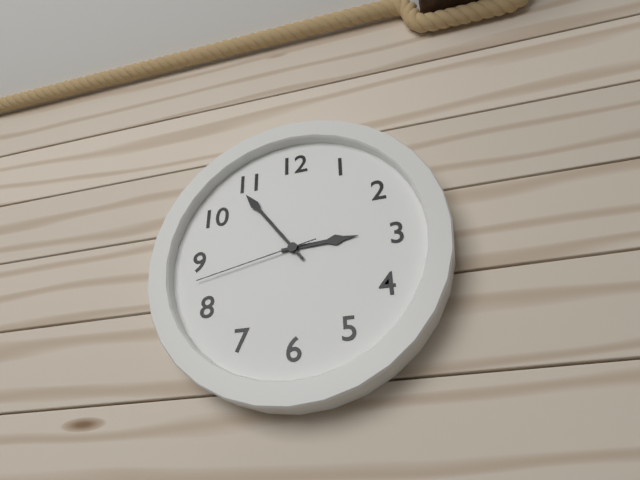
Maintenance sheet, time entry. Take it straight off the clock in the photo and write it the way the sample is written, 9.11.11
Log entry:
2.54.43
